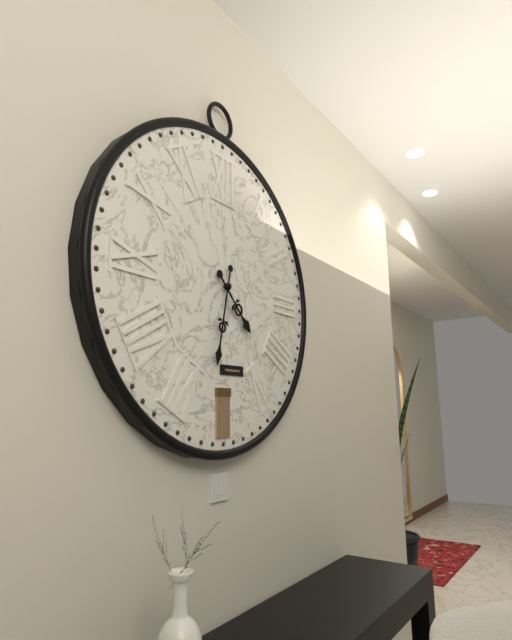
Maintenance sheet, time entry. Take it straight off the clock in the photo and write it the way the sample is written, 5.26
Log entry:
4.32
